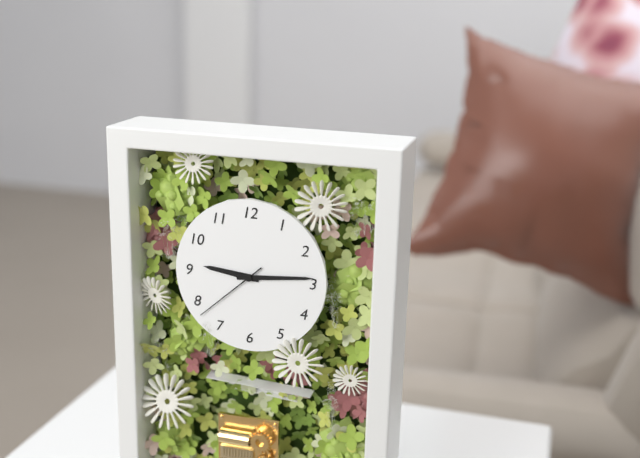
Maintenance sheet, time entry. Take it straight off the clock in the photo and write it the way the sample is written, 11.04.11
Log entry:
9.14.38
